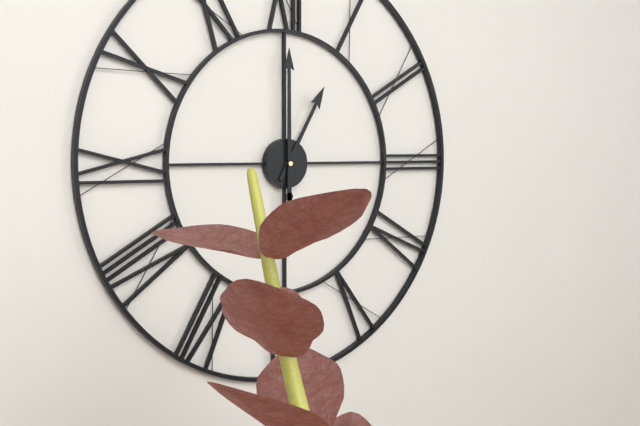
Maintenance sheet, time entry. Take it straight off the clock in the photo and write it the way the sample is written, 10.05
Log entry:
1.00
